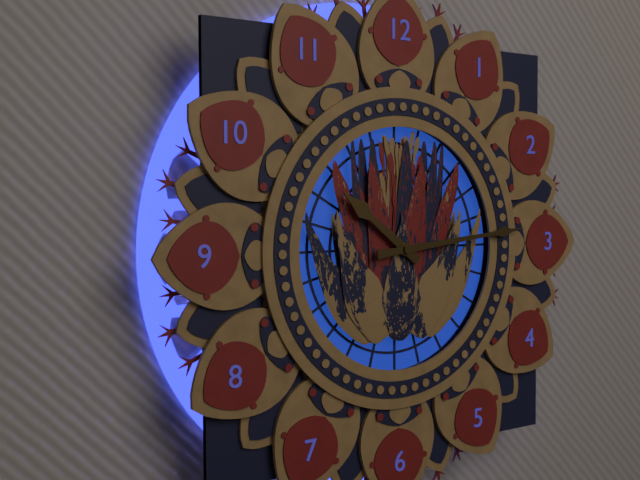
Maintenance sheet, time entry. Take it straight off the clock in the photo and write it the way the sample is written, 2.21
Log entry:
10.14
